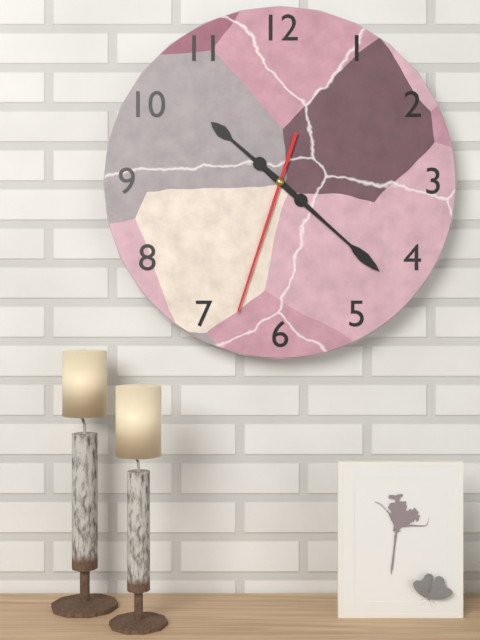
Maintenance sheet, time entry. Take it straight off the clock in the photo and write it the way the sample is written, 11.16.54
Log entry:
10.22.33
